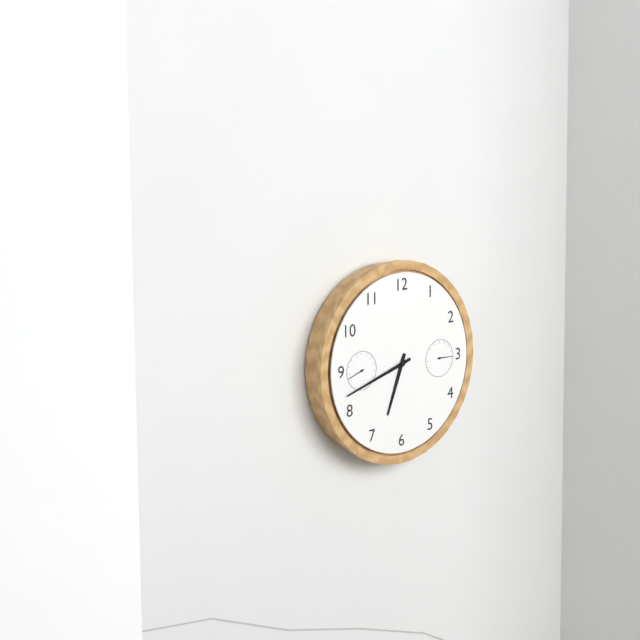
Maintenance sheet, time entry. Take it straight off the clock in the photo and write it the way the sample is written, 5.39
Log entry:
6.42
